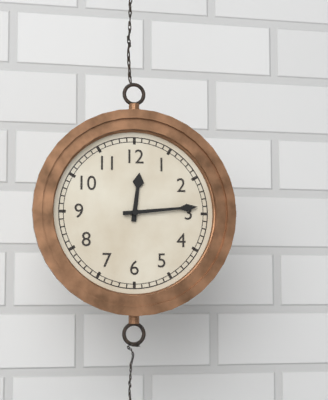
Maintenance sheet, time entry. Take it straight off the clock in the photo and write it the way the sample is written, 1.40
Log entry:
12.14
